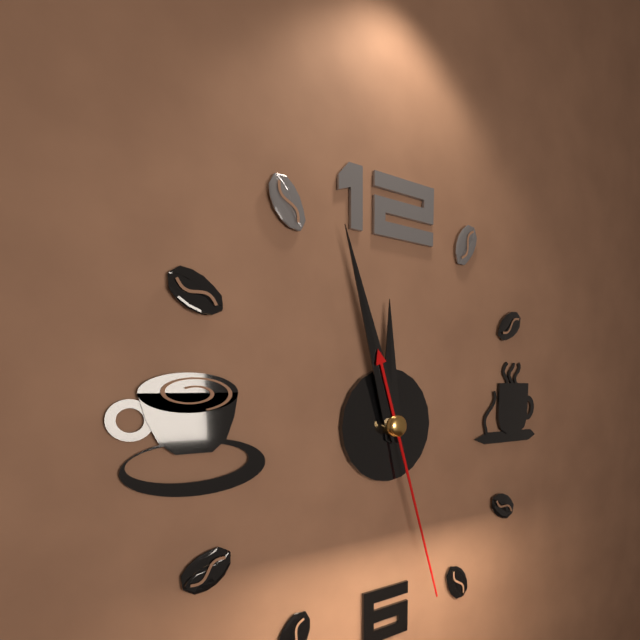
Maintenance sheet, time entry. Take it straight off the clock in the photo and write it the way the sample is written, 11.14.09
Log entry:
11.57.27
